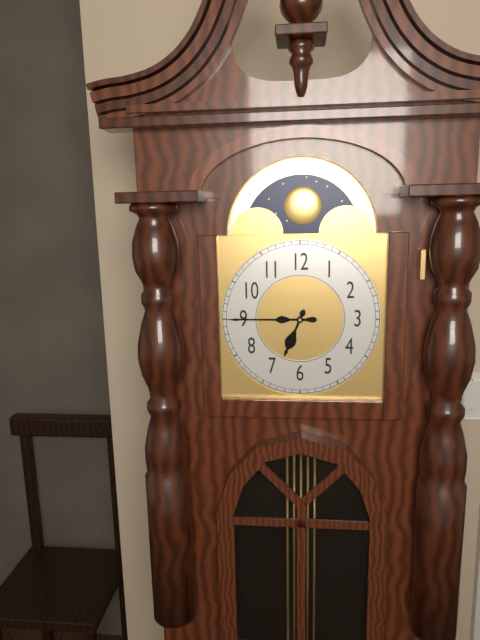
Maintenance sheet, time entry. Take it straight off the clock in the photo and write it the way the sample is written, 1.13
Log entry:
6.45
